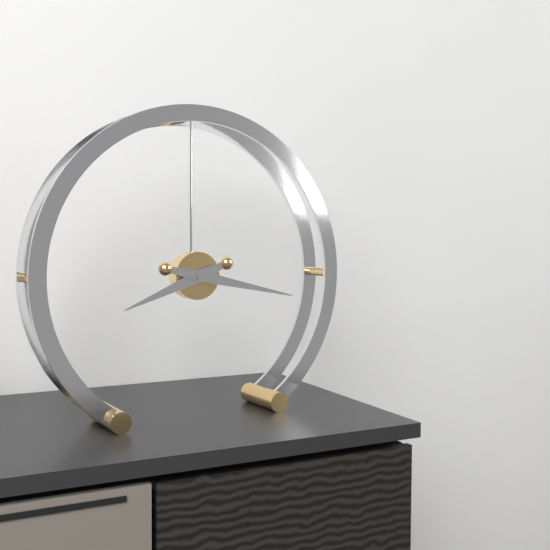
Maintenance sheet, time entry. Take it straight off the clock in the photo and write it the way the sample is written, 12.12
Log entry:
8.17
